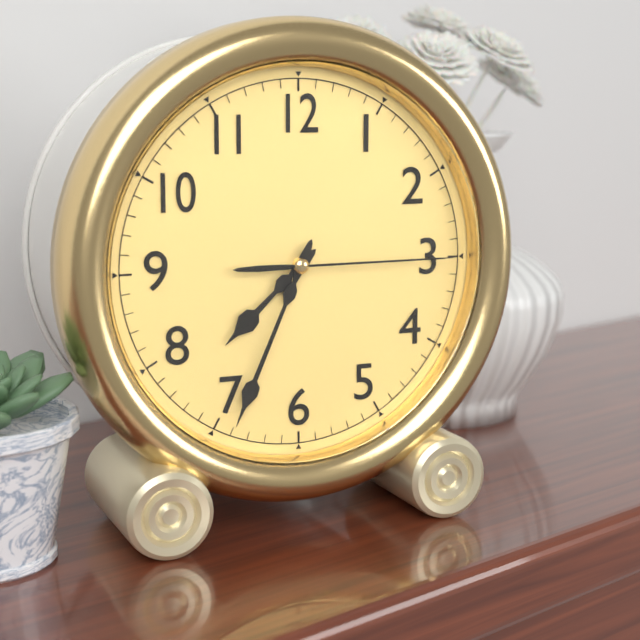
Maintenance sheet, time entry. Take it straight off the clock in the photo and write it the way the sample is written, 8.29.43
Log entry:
7.34.15
